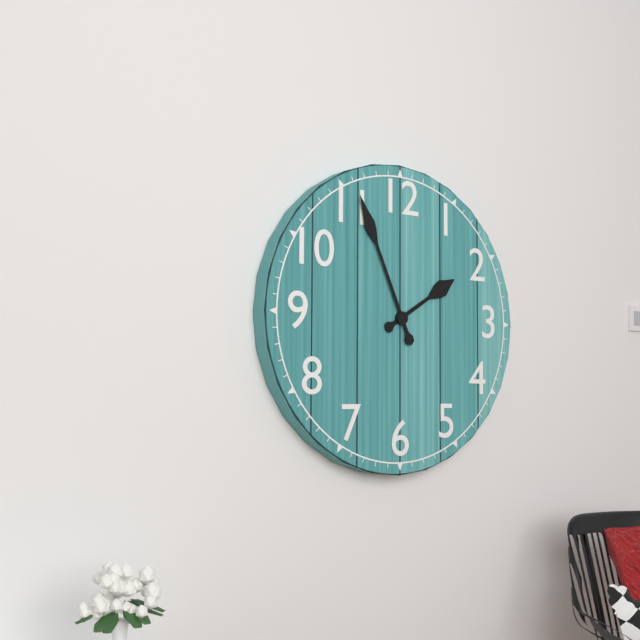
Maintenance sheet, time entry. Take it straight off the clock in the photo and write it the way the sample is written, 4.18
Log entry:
1.56
